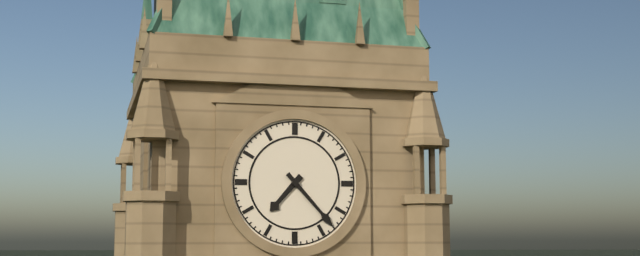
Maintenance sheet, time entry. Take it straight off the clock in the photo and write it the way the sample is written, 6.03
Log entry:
7.23
